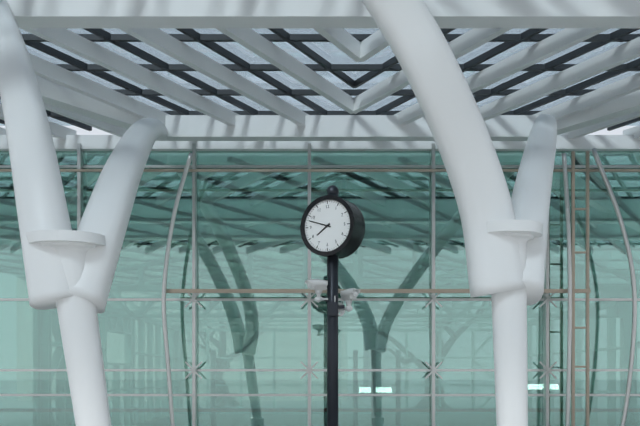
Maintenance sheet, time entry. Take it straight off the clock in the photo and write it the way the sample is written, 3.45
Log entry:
7.48
